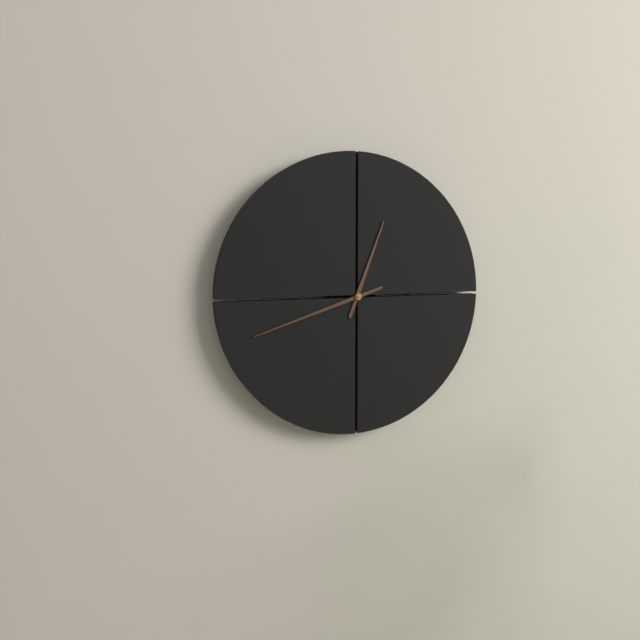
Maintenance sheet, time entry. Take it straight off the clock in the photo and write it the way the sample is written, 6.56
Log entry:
12.42
